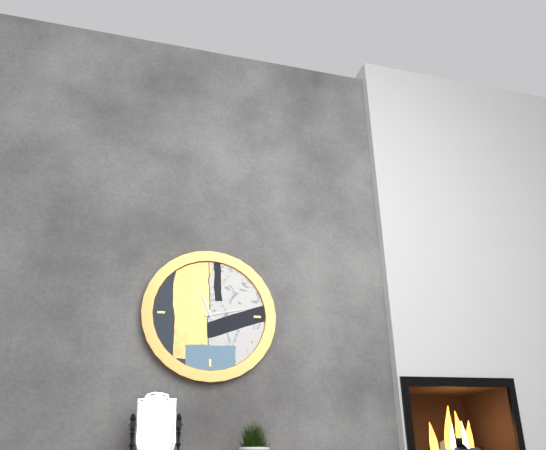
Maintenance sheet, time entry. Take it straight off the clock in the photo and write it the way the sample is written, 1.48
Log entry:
11.13
